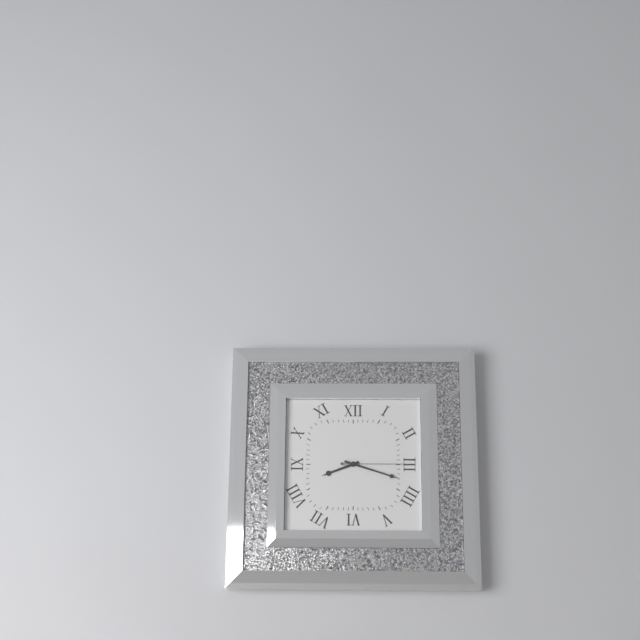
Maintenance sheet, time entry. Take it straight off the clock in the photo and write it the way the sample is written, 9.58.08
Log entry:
8.18.15
